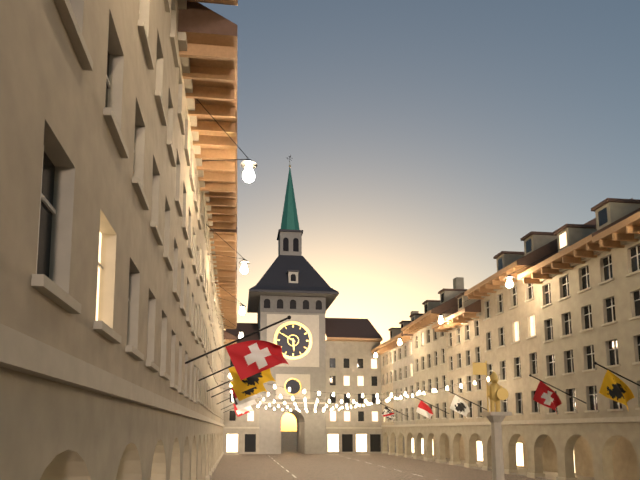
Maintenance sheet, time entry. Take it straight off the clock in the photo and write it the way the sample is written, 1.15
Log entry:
5.50
